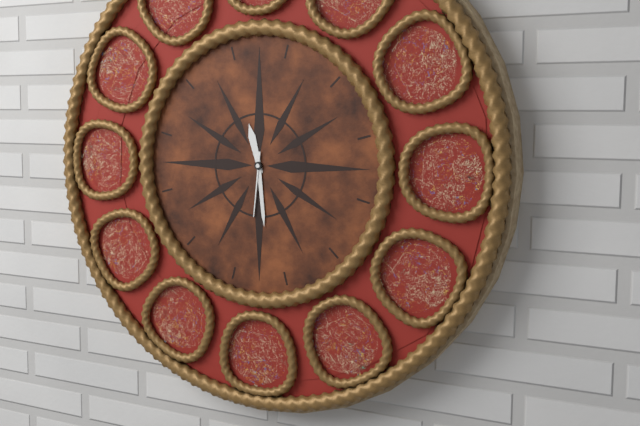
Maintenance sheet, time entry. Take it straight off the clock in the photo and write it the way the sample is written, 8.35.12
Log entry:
11.29.31
